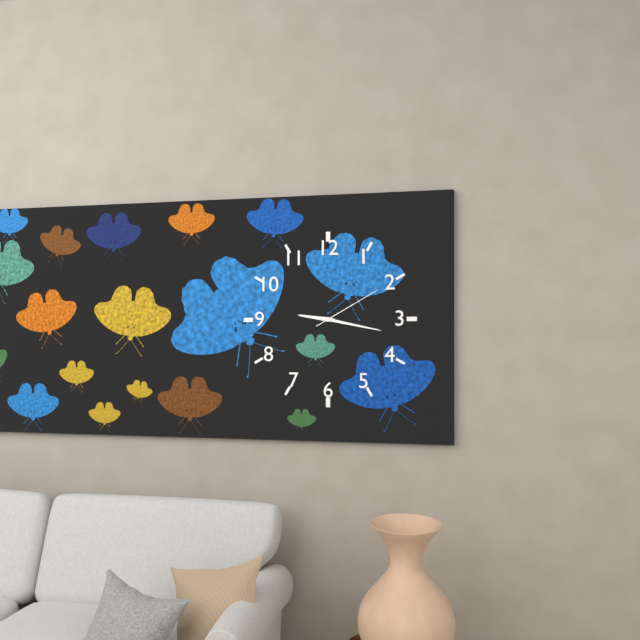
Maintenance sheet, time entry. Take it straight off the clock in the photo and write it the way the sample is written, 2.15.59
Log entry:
9.17.10
